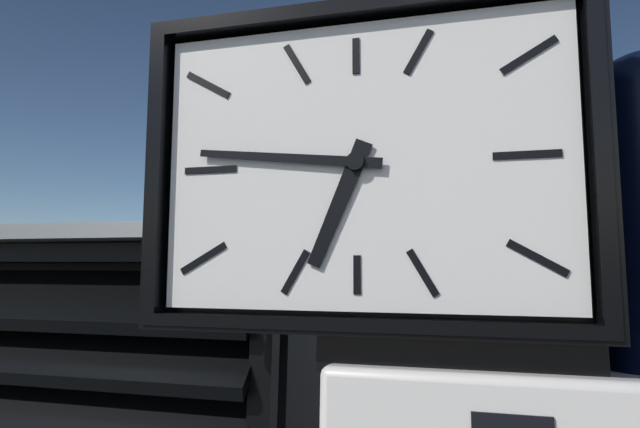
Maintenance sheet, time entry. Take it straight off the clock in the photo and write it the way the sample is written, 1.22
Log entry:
6.46
